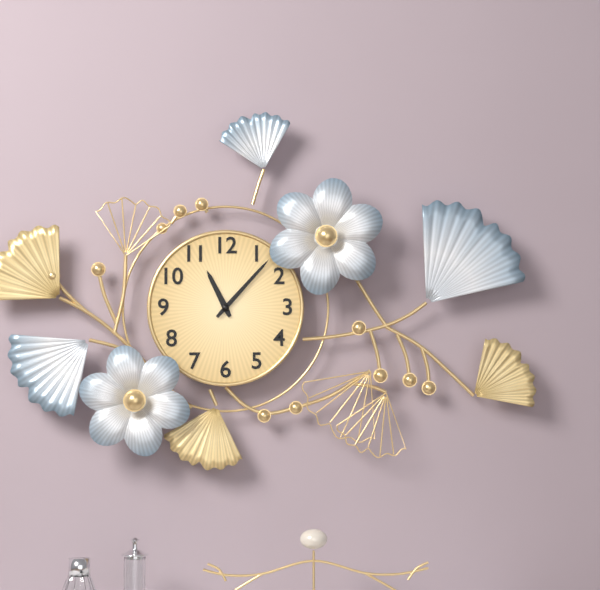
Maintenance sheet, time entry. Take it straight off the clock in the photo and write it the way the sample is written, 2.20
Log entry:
11.07
